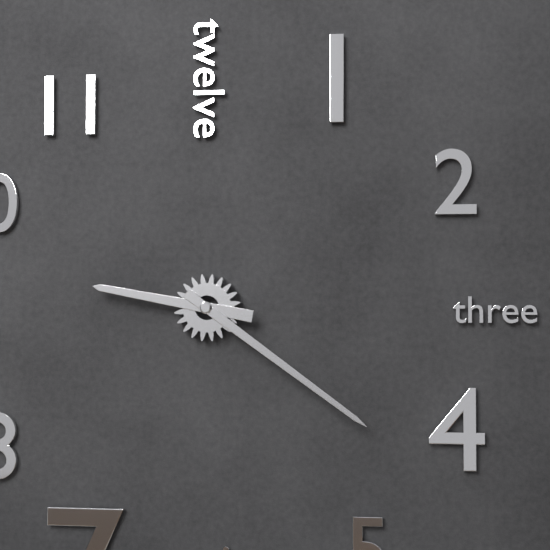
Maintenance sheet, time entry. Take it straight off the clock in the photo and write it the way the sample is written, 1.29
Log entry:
9.21
